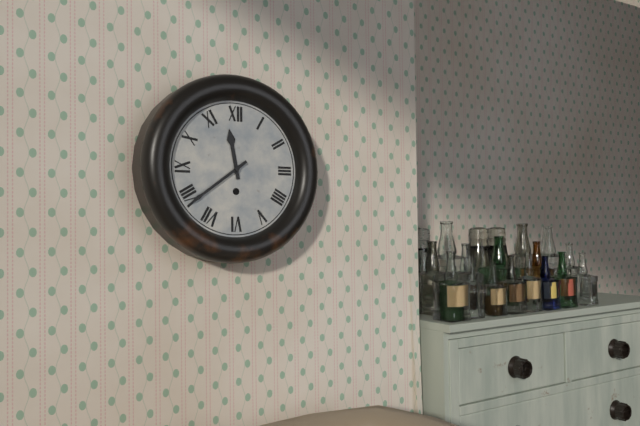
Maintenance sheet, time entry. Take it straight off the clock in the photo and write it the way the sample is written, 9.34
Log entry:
11.39
